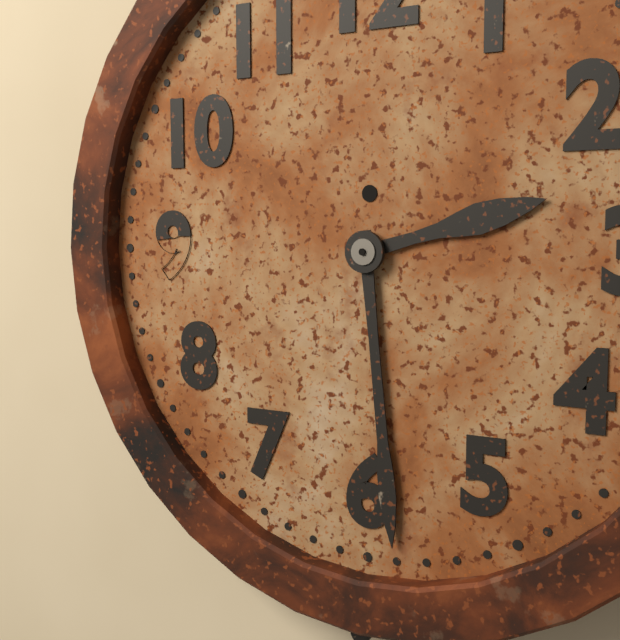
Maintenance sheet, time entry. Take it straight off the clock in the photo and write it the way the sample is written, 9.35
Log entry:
2.29
